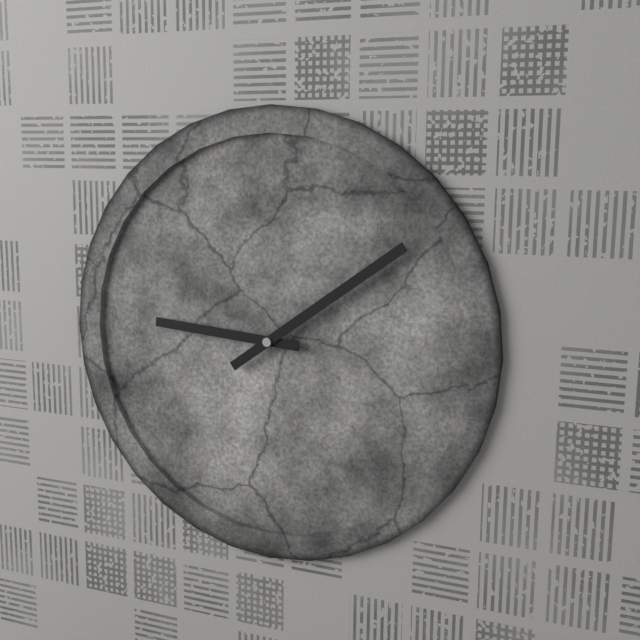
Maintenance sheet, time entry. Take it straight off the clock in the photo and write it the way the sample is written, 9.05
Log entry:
9.09
